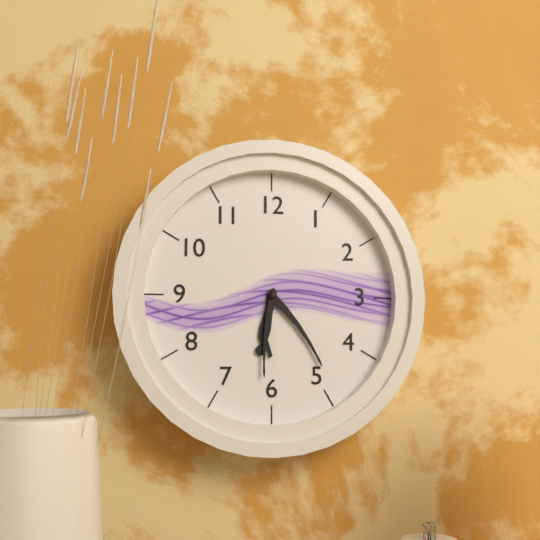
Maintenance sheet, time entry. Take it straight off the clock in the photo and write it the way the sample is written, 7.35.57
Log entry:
6.24.31
